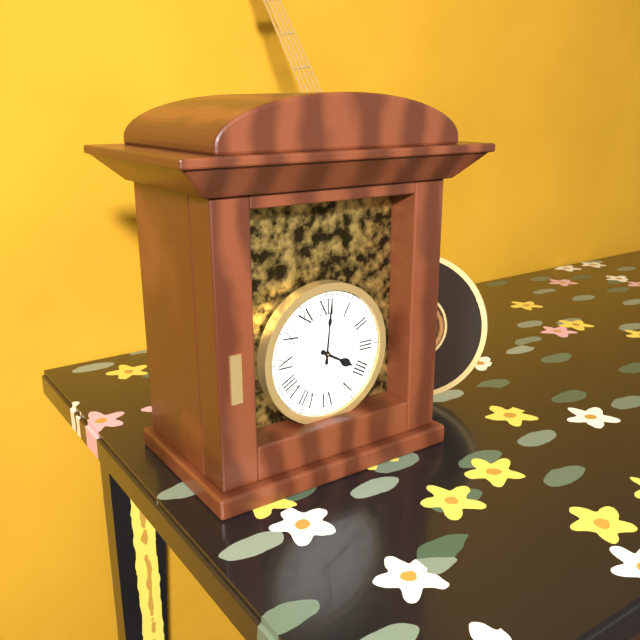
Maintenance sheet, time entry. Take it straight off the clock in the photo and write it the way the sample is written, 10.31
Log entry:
4.01
